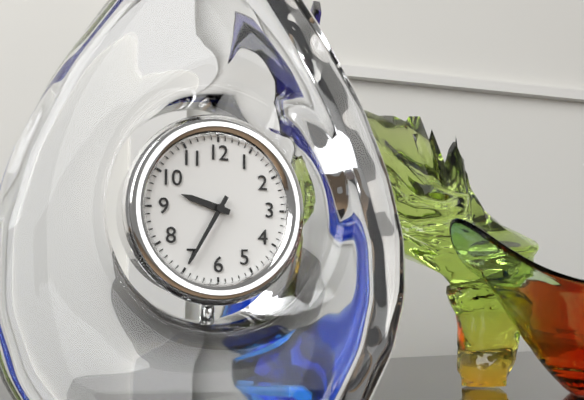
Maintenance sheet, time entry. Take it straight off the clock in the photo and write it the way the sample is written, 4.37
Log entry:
9.35
